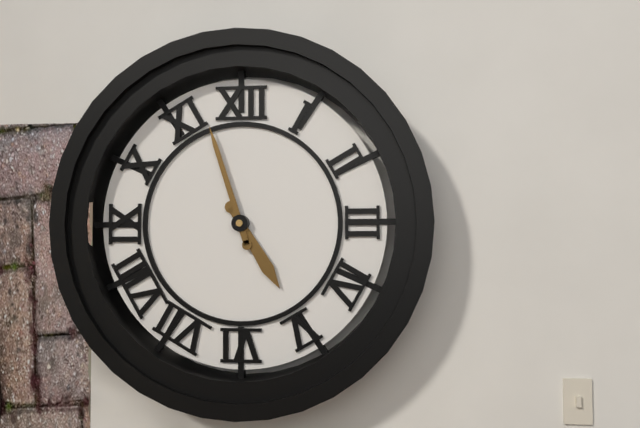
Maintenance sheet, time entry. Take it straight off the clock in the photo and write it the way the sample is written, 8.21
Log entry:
4.57
